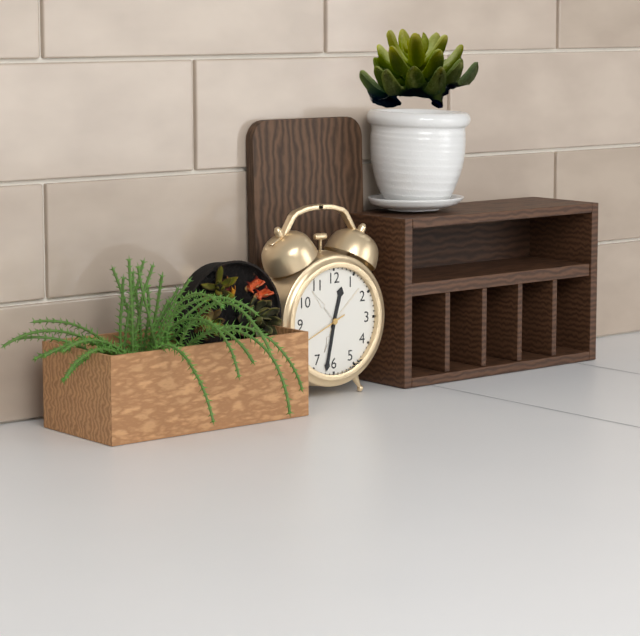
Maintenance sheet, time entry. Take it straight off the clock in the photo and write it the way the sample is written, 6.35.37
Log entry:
12.32.41
